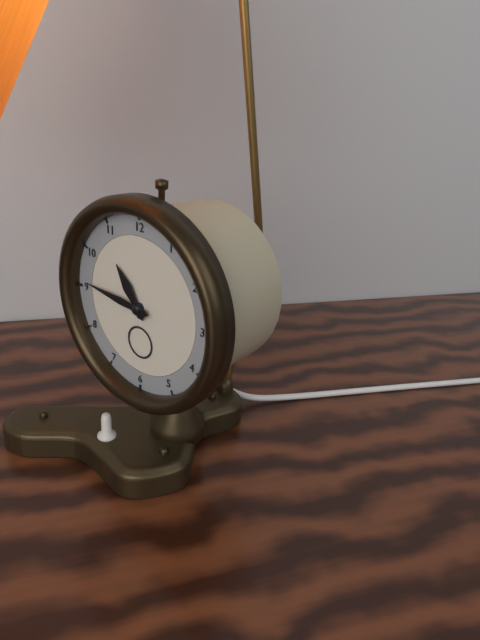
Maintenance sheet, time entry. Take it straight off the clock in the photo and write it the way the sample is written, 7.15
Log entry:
10.46
